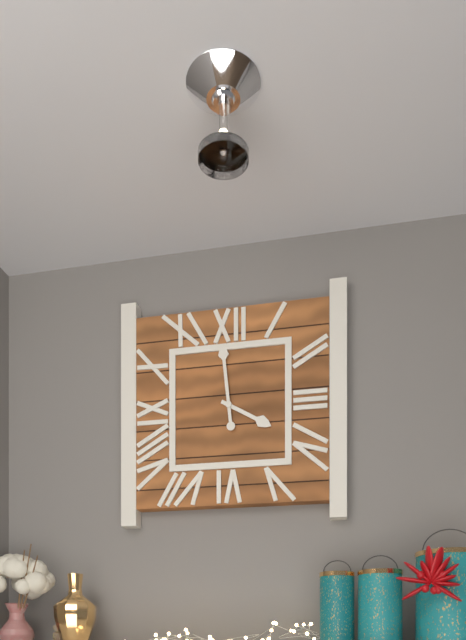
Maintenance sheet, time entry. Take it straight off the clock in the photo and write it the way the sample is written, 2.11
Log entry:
3.59
